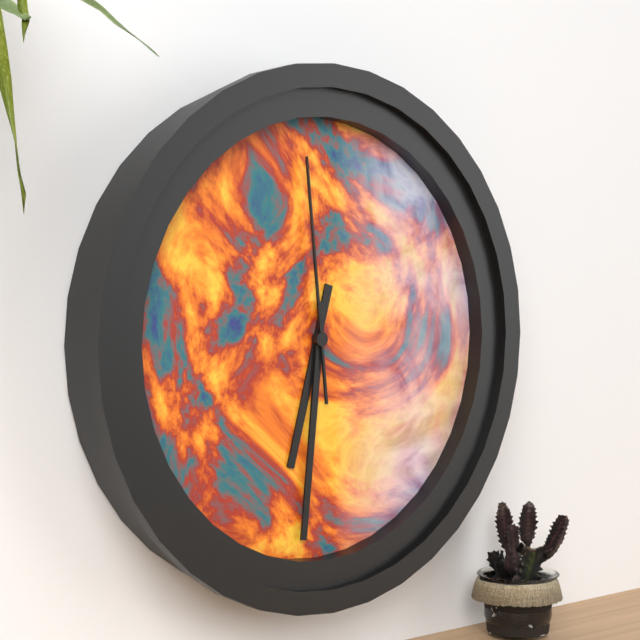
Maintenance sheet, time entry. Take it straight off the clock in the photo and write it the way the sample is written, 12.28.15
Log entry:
6.31.59
